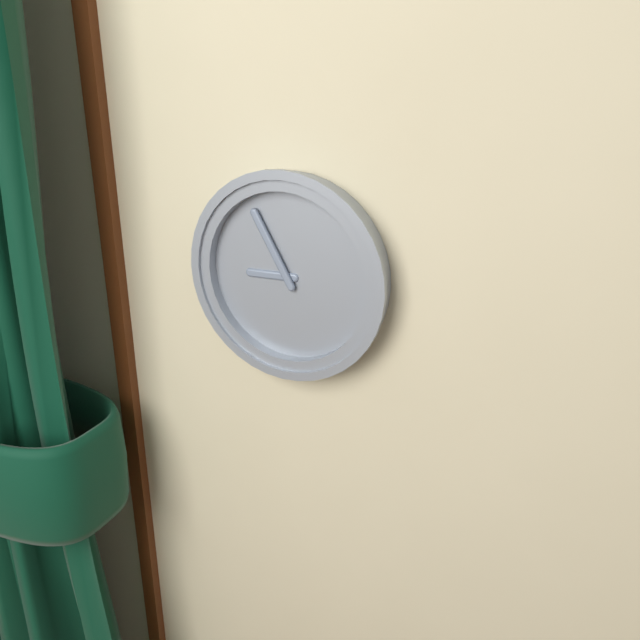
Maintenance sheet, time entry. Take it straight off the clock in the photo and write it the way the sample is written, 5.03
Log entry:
8.55
